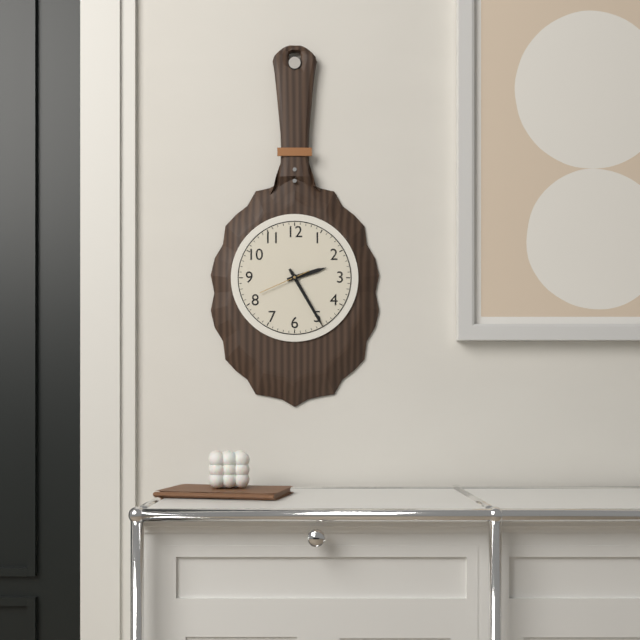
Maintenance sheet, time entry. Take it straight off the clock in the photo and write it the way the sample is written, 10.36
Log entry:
2.25
